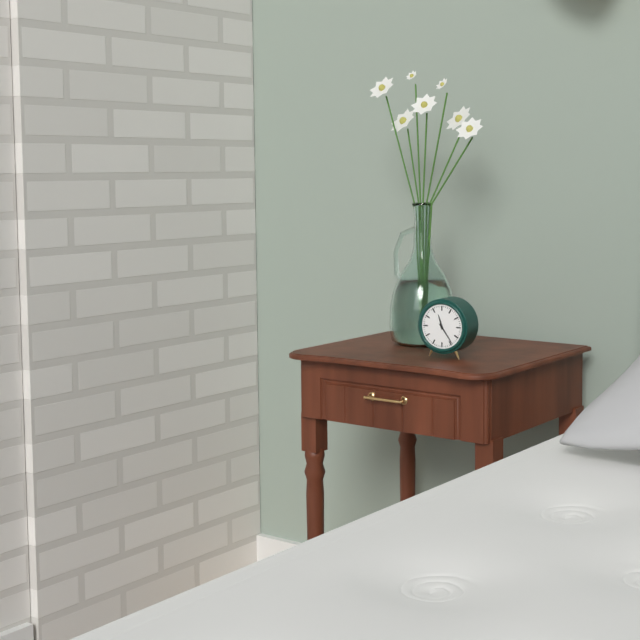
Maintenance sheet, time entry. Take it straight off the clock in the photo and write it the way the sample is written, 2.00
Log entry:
11.24
